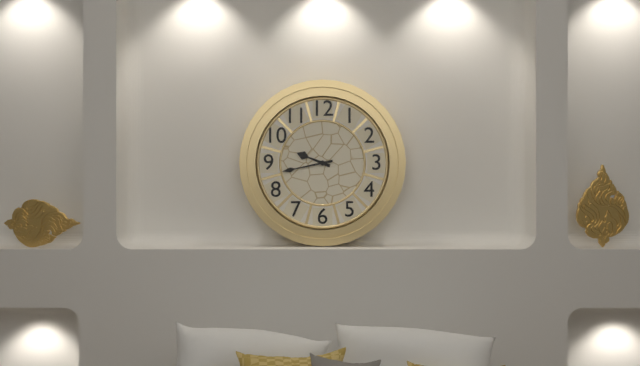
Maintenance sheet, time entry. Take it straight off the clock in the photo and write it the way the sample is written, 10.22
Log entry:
9.43
